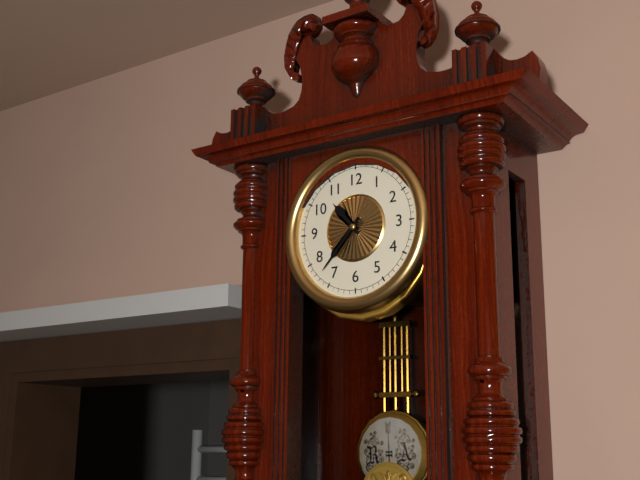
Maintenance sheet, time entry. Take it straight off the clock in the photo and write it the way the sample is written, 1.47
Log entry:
10.37
